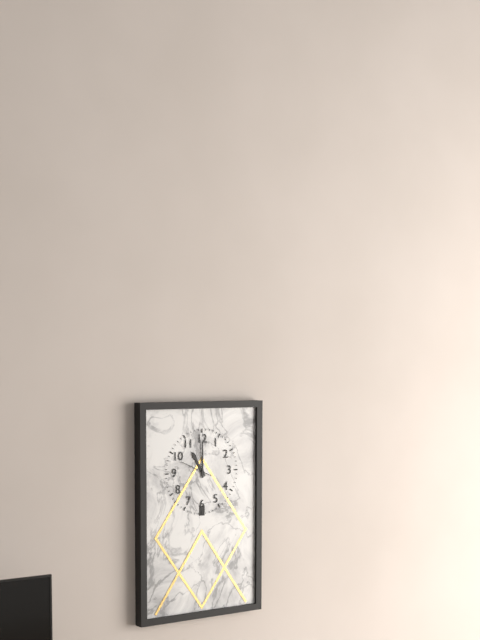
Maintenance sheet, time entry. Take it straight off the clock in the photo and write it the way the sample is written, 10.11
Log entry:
11.00
